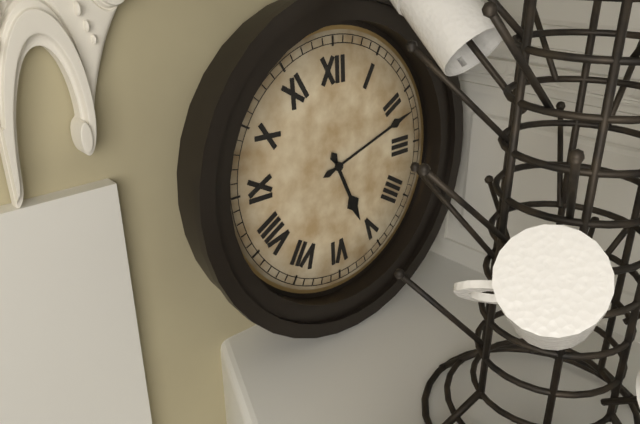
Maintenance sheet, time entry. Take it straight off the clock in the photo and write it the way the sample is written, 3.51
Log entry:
5.12
